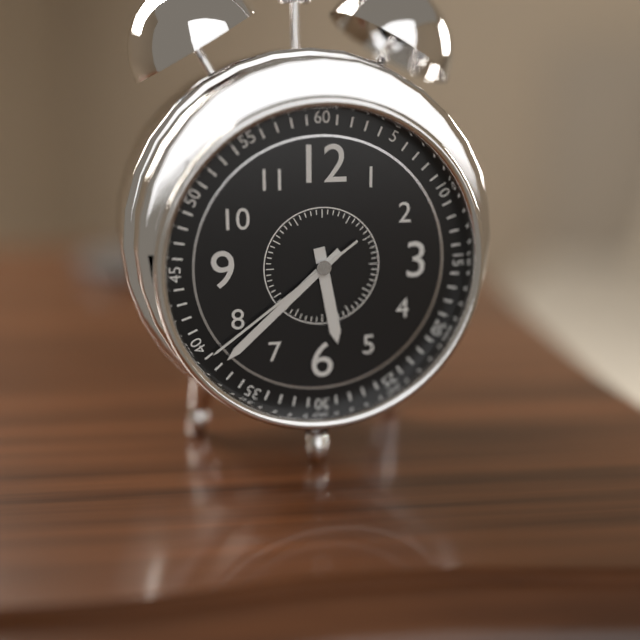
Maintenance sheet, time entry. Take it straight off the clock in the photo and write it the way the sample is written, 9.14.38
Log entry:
5.38.39
